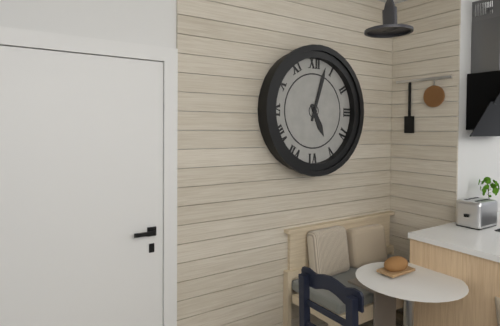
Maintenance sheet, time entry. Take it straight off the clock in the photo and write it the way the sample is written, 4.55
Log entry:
5.03
